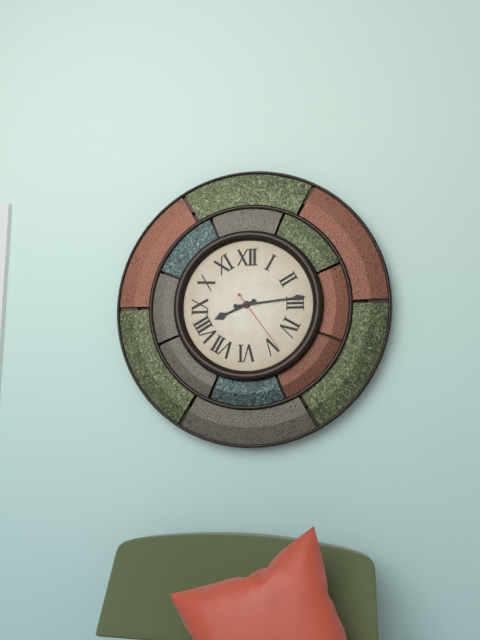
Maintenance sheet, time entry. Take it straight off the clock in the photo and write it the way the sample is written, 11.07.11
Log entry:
8.14.24
